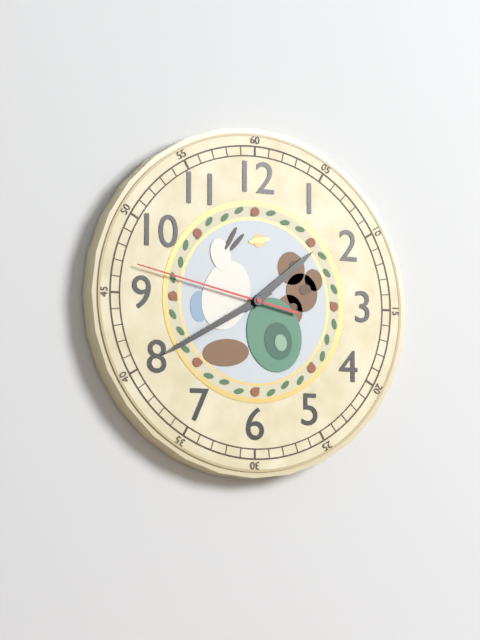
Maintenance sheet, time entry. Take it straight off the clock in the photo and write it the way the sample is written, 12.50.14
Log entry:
1.40.47
